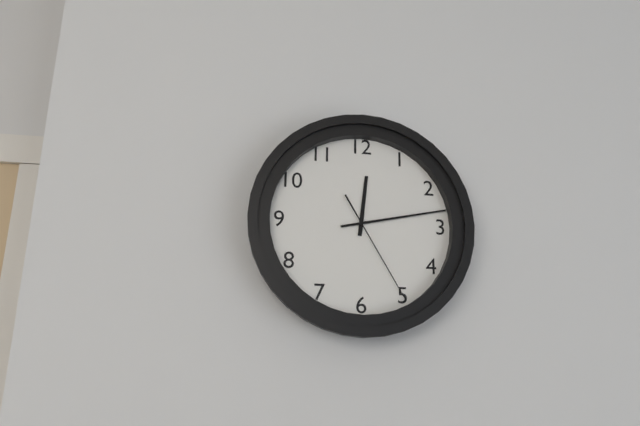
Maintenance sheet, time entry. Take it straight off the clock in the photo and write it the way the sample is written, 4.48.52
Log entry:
12.13.25
